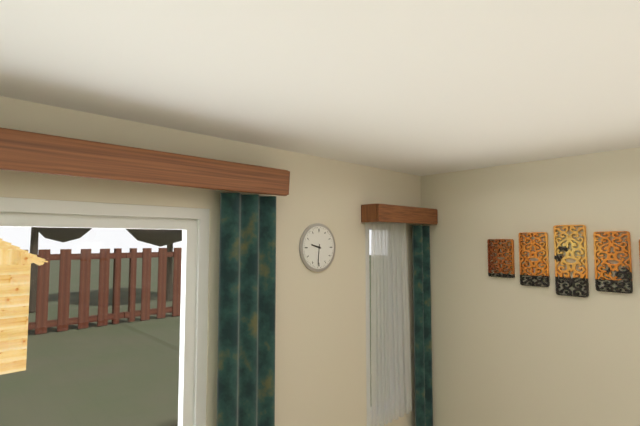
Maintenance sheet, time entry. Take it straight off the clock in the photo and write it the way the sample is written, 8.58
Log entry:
9.31
